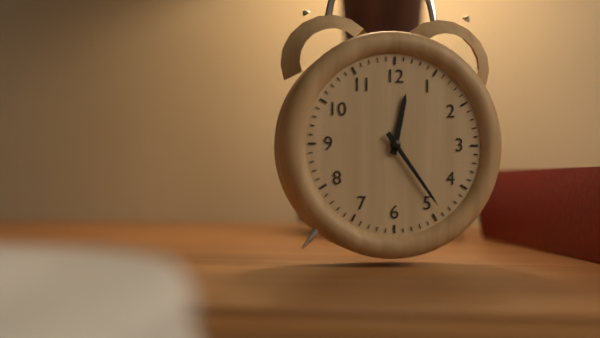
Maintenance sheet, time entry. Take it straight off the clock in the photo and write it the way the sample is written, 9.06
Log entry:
12.24
